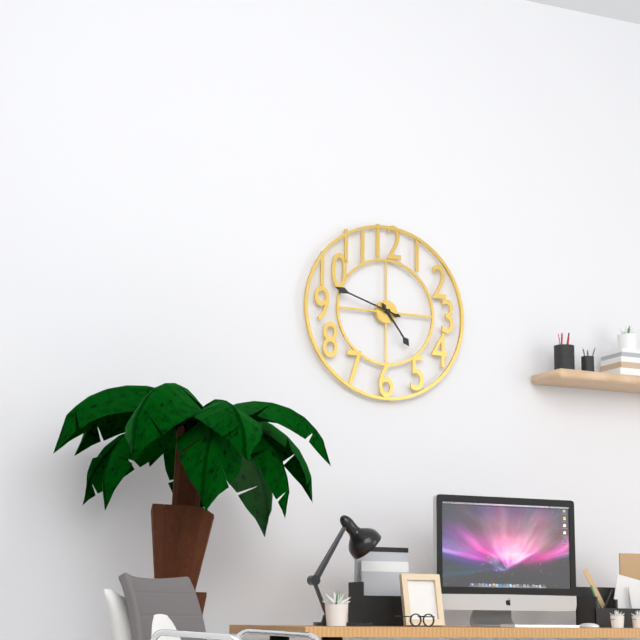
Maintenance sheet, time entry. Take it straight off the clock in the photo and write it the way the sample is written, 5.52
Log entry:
4.48
